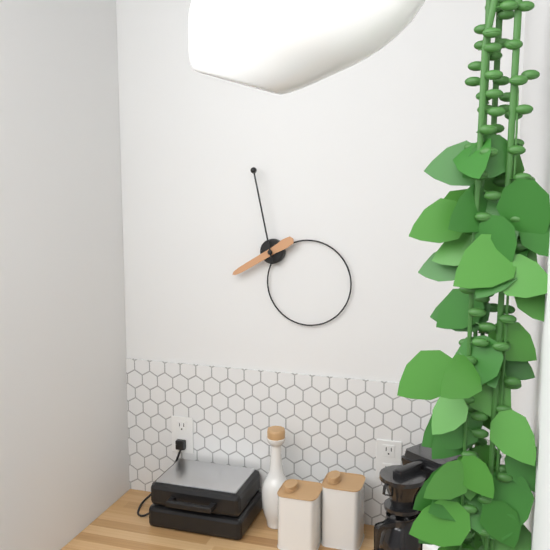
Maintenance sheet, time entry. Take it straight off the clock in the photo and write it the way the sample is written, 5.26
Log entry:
7.58
